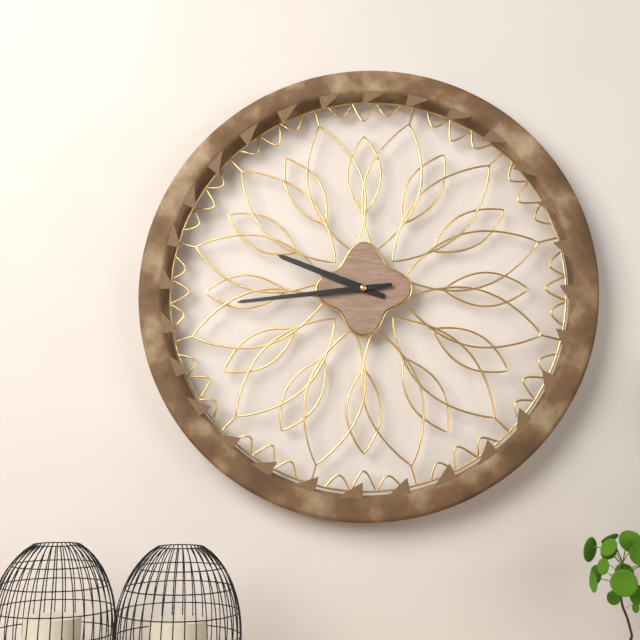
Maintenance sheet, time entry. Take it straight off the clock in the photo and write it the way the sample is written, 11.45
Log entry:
9.44
